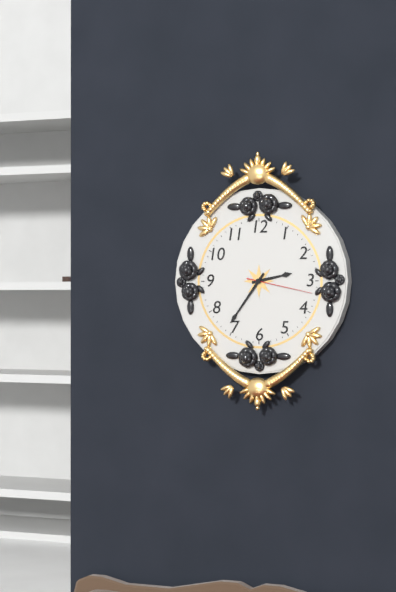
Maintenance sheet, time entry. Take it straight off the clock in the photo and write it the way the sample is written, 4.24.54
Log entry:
2.36.17
